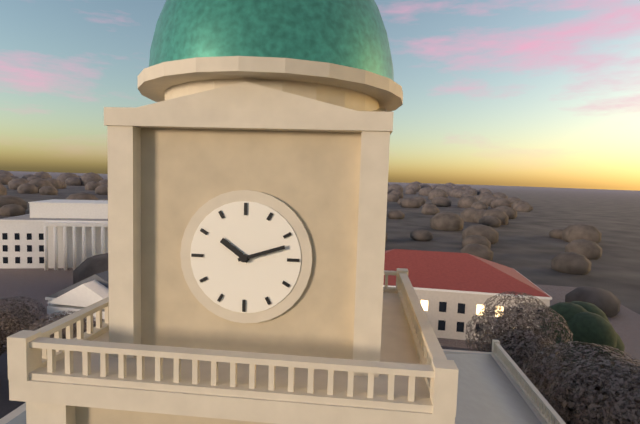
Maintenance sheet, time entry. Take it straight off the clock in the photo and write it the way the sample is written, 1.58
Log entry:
10.12
